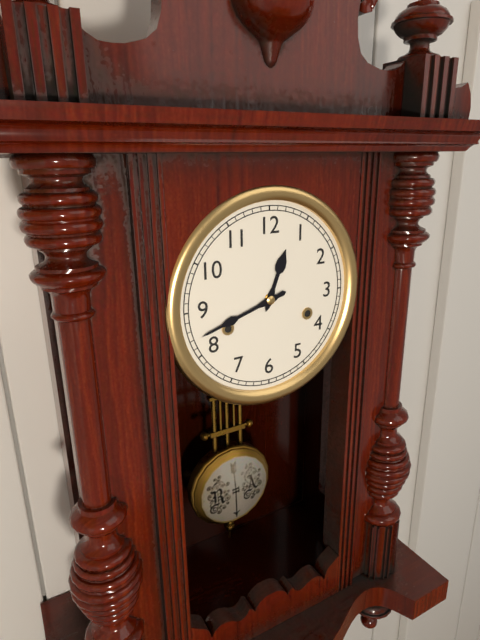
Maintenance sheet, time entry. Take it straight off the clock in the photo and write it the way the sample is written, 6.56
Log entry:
12.42
